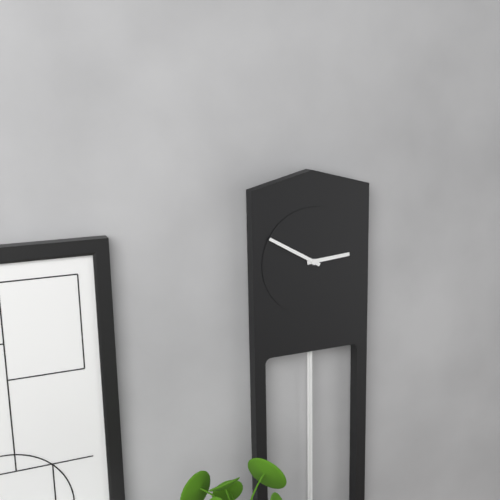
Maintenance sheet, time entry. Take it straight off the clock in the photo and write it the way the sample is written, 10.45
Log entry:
2.50
